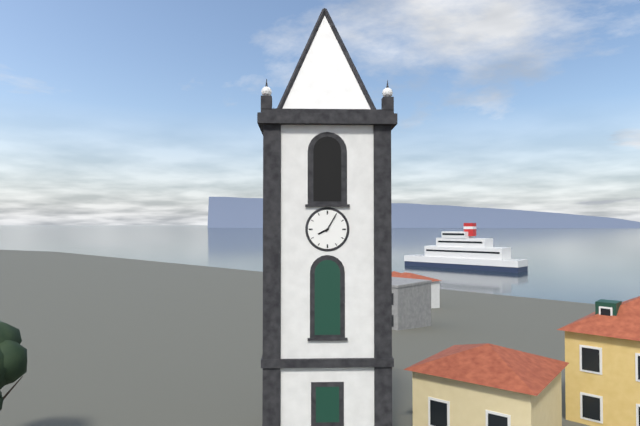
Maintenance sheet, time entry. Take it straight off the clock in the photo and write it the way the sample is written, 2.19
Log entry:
8.05
